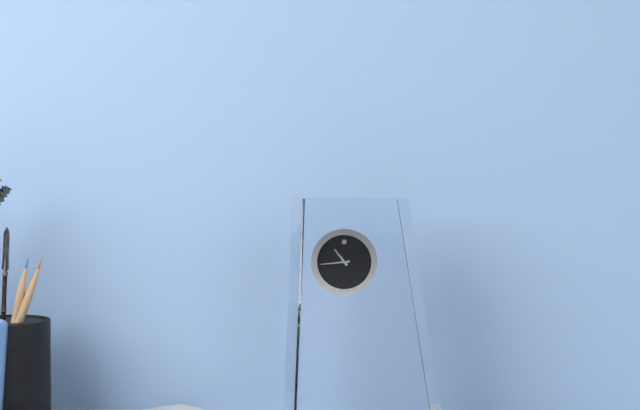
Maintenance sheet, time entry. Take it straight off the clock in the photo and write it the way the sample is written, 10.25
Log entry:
10.44
